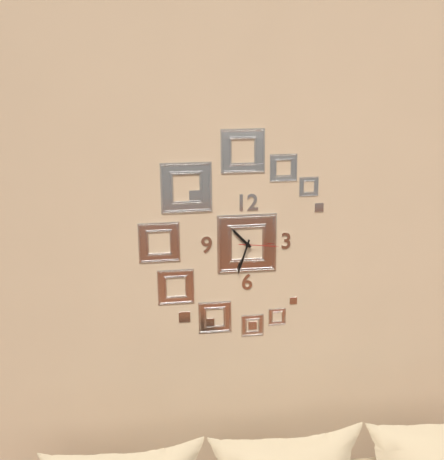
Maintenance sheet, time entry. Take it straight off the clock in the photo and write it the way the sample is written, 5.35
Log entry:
10.33
